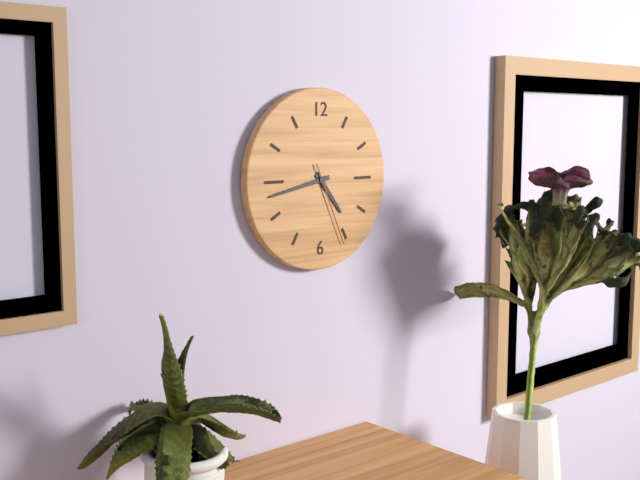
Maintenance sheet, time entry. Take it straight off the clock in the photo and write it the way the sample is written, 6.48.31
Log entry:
4.43.26
